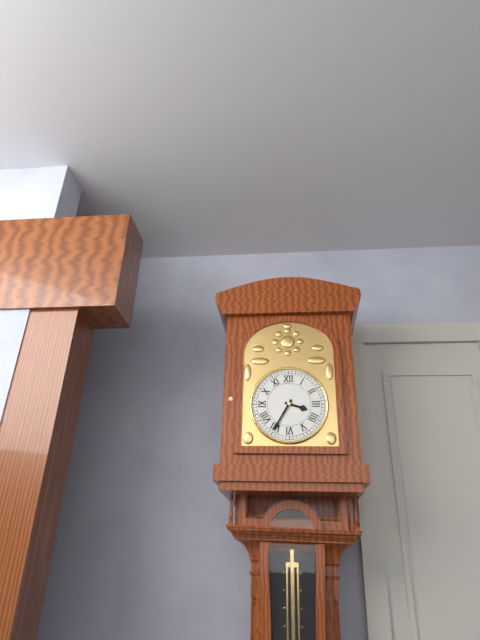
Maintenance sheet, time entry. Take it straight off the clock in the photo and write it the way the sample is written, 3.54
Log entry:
3.35
